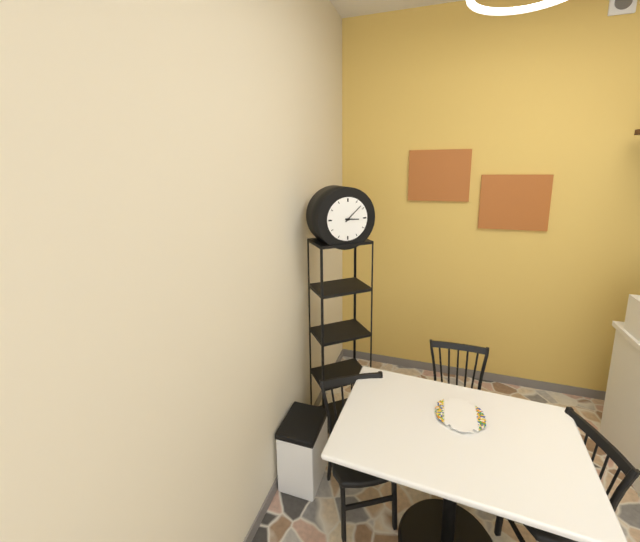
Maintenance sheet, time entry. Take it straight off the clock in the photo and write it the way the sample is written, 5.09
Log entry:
3.08
